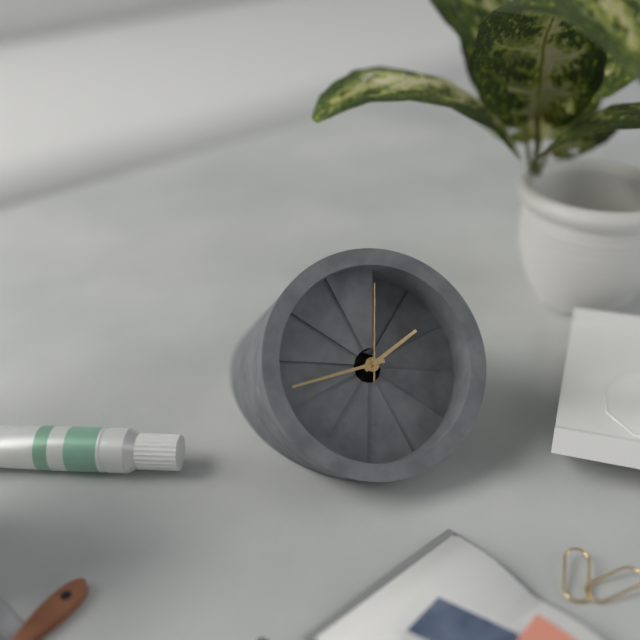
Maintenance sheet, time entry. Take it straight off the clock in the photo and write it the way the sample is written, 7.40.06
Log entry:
1.42.00
